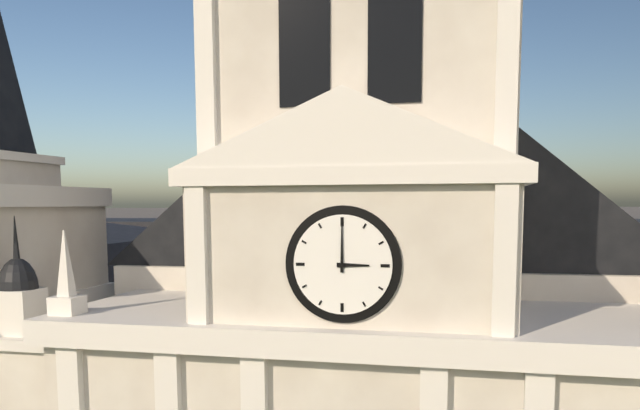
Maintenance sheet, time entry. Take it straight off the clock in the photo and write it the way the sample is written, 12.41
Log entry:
3.00
